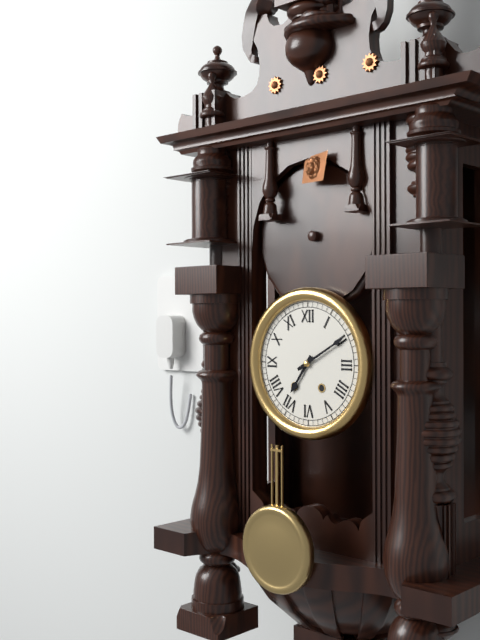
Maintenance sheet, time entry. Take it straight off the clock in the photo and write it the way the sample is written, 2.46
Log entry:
7.10
